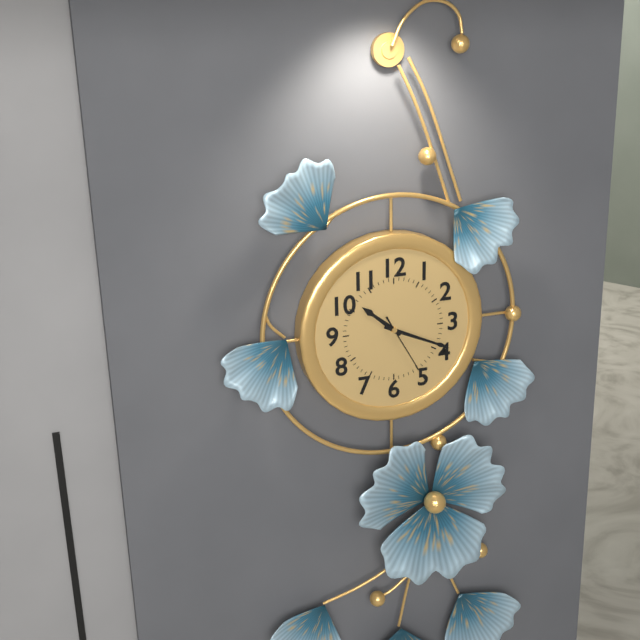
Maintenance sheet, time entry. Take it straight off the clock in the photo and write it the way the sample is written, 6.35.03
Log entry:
10.19.25
